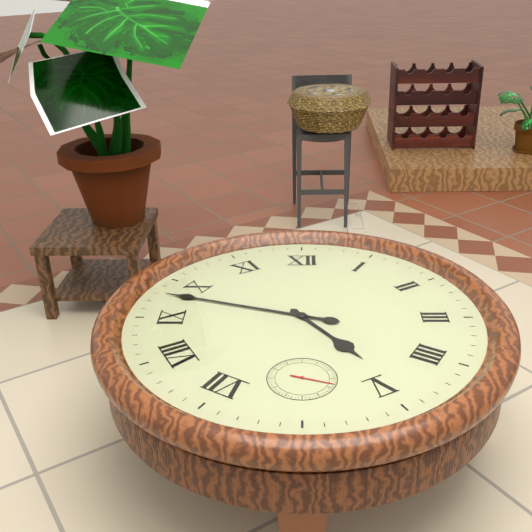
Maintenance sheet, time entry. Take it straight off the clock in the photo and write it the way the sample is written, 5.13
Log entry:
4.48
